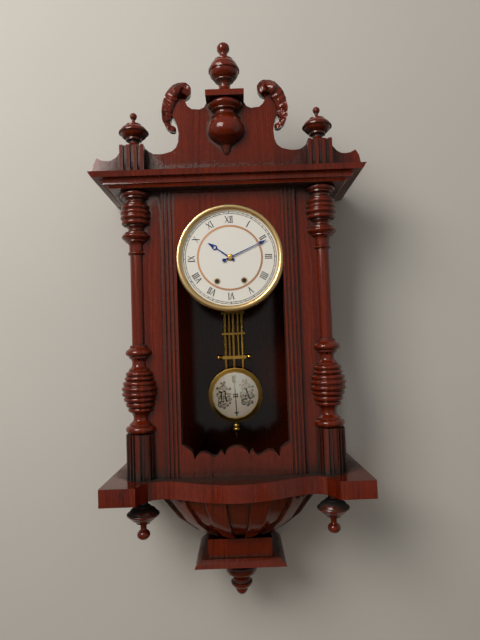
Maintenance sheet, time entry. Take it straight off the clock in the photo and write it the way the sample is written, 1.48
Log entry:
10.11
